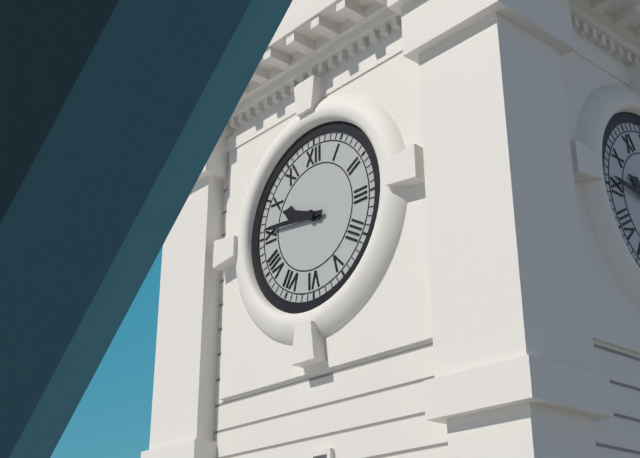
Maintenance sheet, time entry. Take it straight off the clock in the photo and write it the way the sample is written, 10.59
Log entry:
9.46
